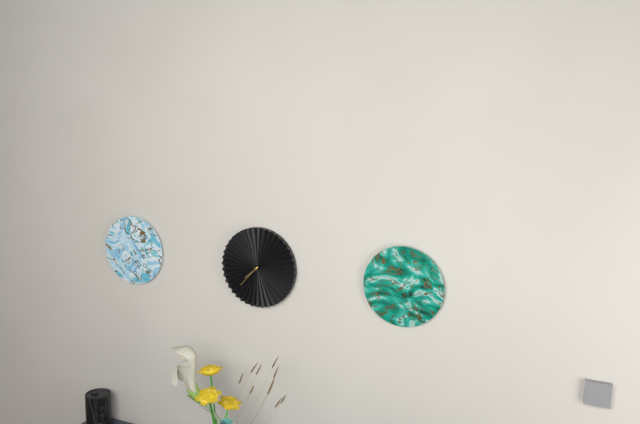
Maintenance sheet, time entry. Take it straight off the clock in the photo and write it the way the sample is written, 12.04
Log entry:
7.37
